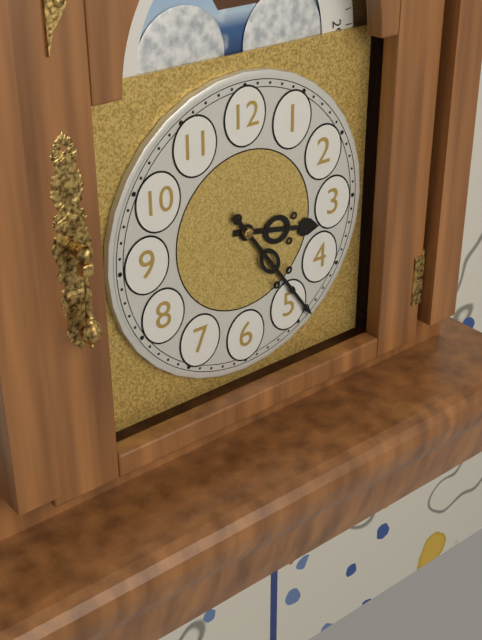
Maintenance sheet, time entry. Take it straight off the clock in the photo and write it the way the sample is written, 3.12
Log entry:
3.24
